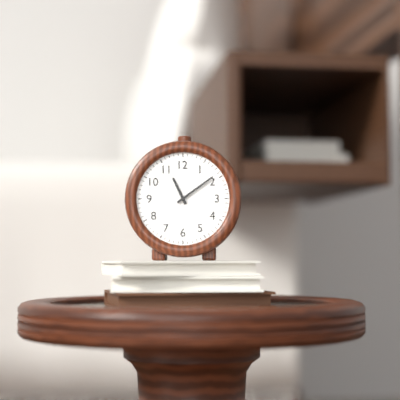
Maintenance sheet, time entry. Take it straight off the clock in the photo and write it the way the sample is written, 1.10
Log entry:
11.09
